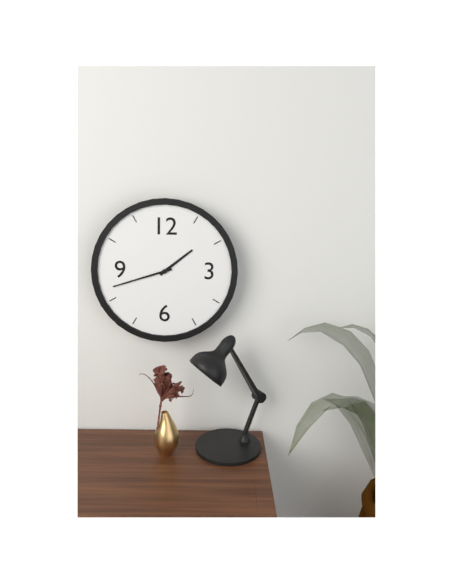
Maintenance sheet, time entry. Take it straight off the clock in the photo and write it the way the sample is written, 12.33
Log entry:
1.42
